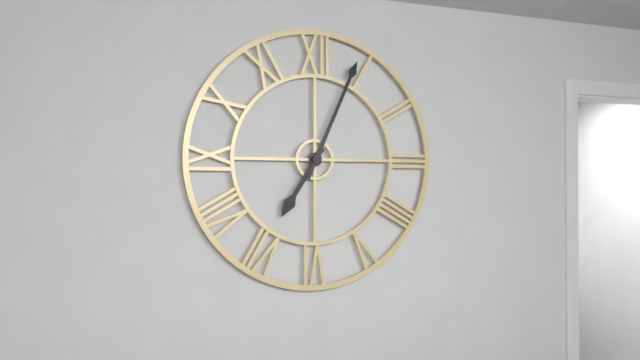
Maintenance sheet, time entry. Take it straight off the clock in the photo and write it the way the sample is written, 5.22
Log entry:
7.04
